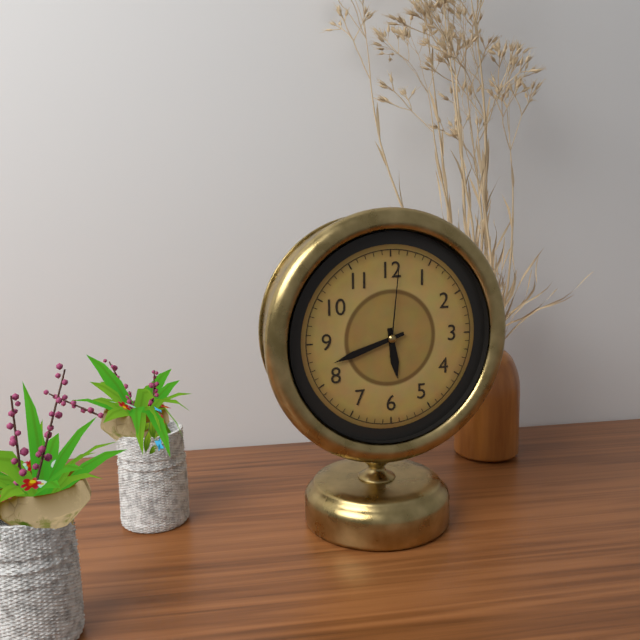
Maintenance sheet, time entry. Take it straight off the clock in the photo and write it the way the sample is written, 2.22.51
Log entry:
5.42.01
